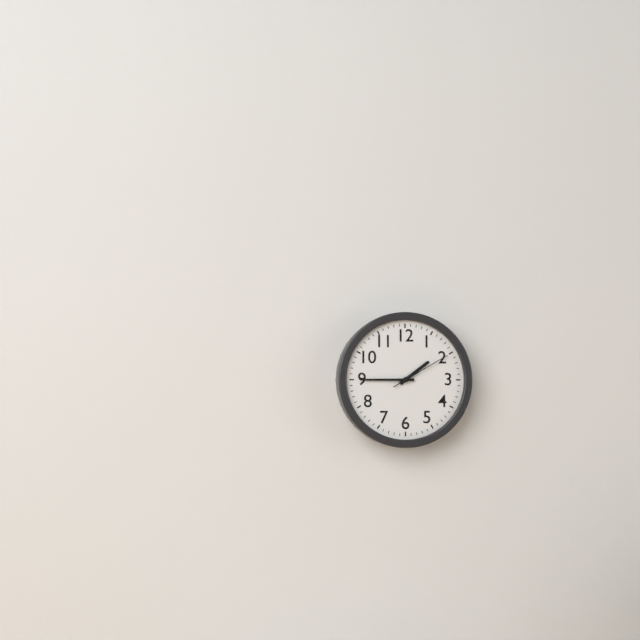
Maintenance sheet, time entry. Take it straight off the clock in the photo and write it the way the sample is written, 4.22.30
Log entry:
1.45.10
